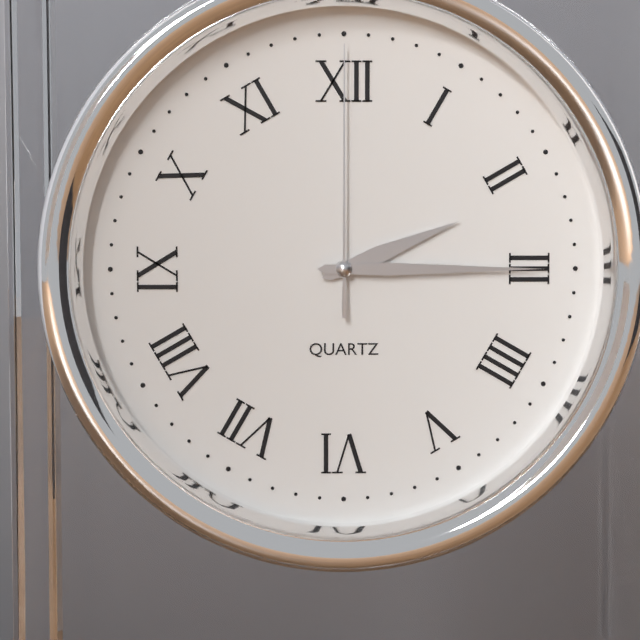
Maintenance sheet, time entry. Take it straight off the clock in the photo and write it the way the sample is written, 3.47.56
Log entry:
2.15.00
